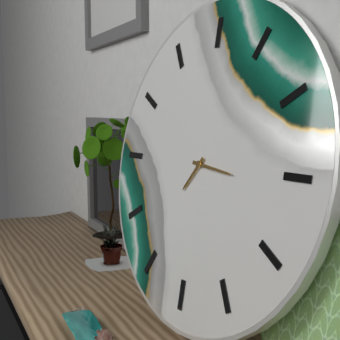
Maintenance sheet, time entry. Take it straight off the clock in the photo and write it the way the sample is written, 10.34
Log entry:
7.16
